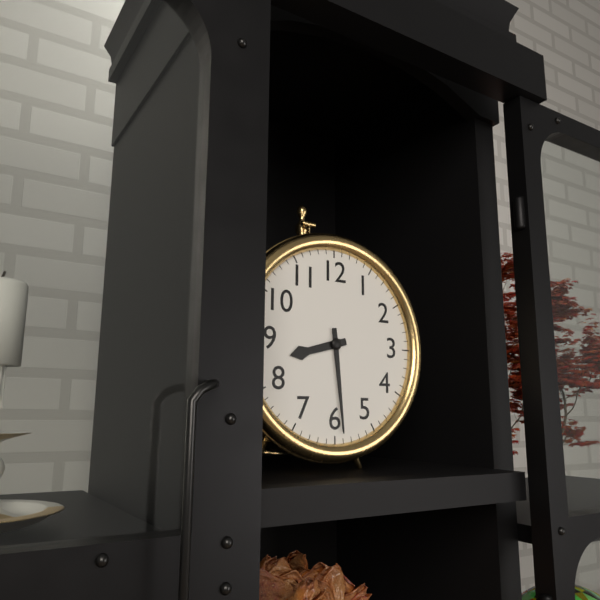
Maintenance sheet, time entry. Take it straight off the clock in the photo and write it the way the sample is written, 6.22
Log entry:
8.29
